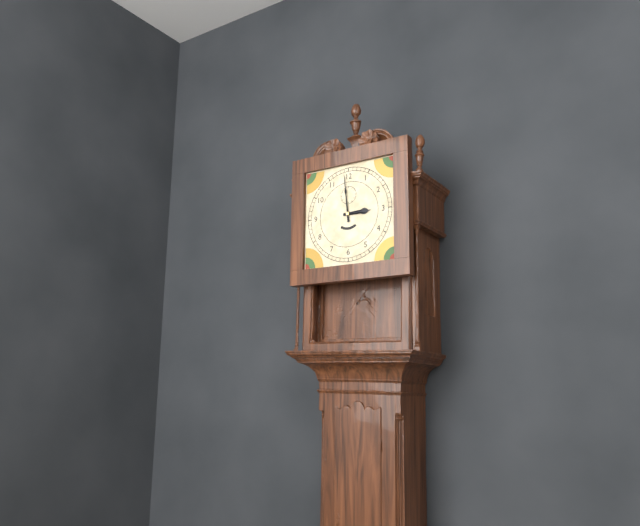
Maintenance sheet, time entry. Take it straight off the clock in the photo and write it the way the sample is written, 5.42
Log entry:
2.59
